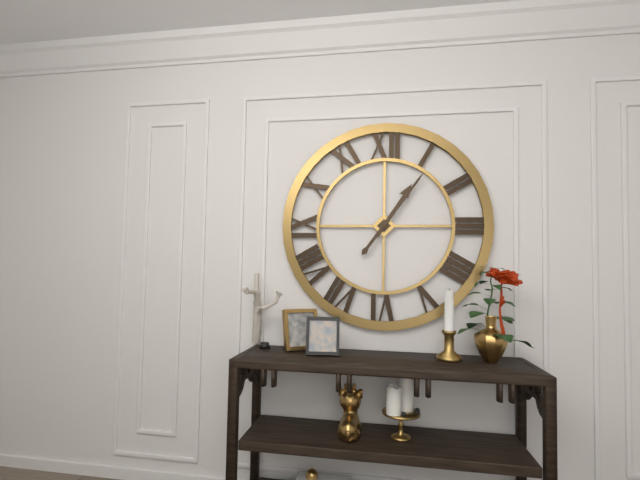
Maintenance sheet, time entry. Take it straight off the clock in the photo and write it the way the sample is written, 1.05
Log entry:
1.06
